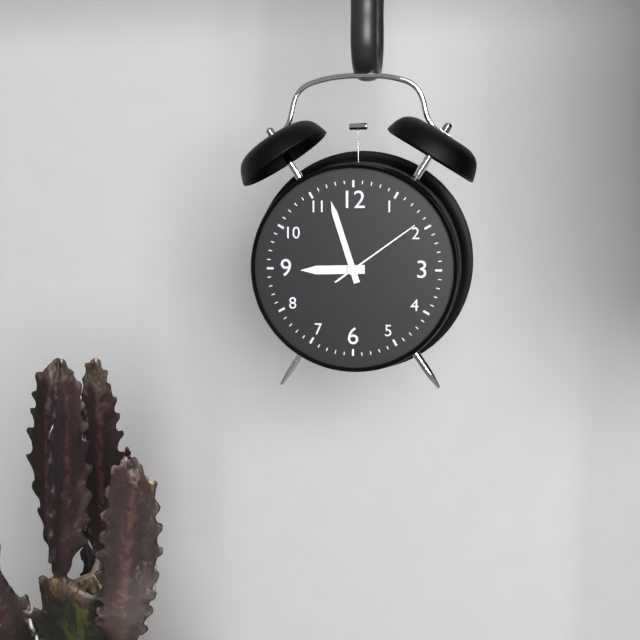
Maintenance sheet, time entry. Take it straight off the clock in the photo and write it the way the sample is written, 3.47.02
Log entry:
8.57.09
